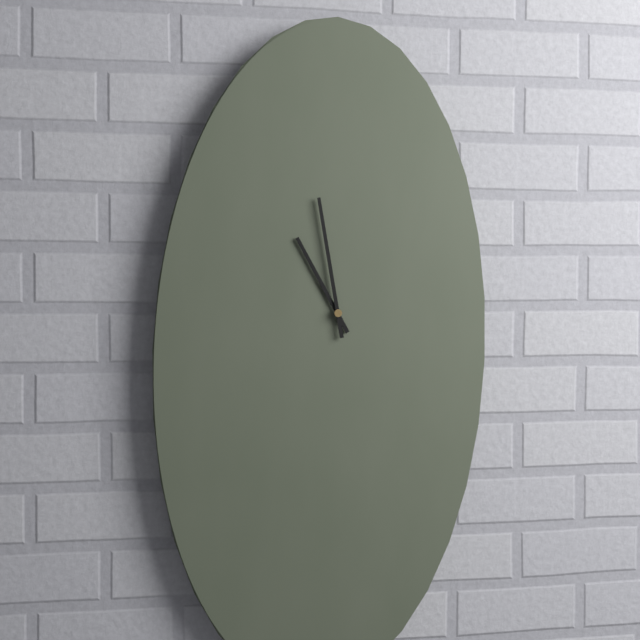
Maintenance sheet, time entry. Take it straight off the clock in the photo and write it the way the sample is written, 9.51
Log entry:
10.58
